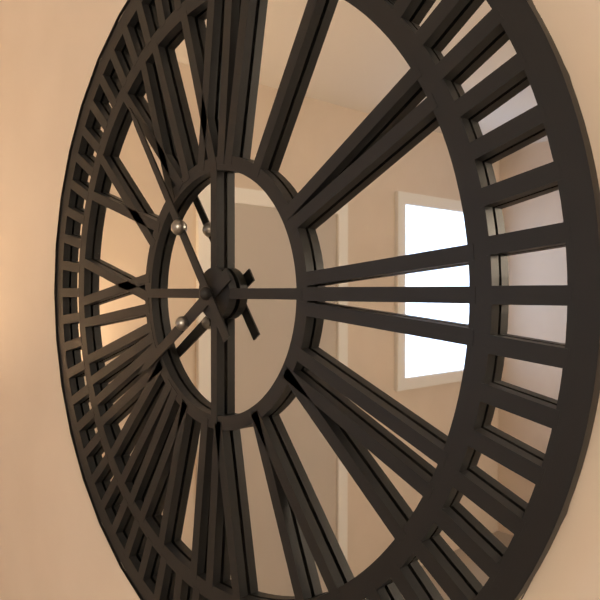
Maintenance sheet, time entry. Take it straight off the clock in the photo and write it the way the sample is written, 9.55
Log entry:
7.54
